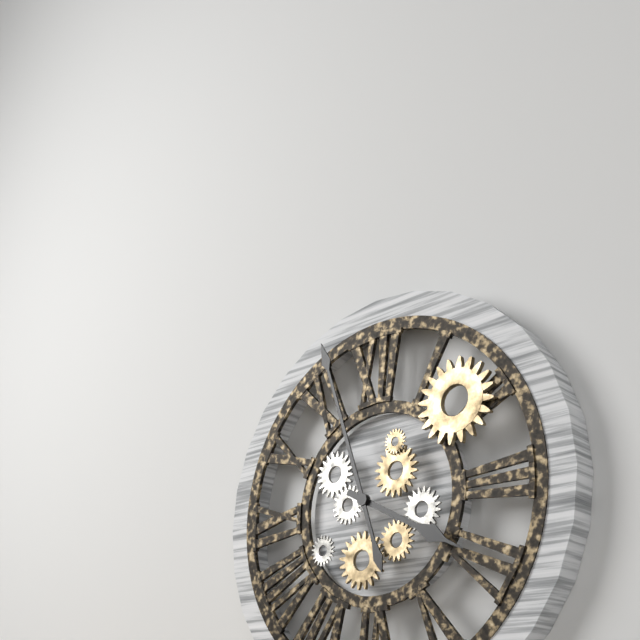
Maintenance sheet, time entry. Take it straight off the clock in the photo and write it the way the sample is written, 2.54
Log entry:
3.57
